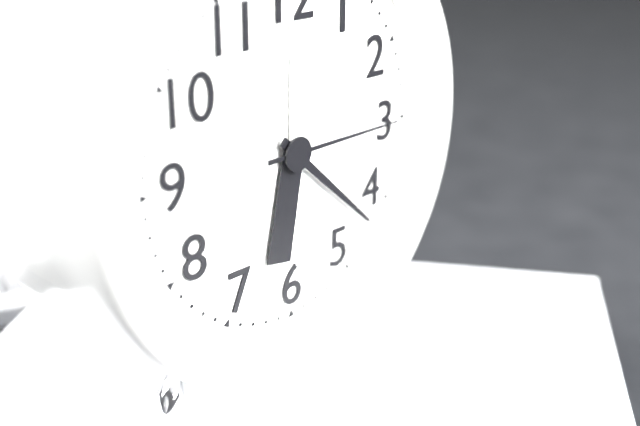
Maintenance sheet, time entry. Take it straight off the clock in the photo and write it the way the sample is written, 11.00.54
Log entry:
6.22.15
